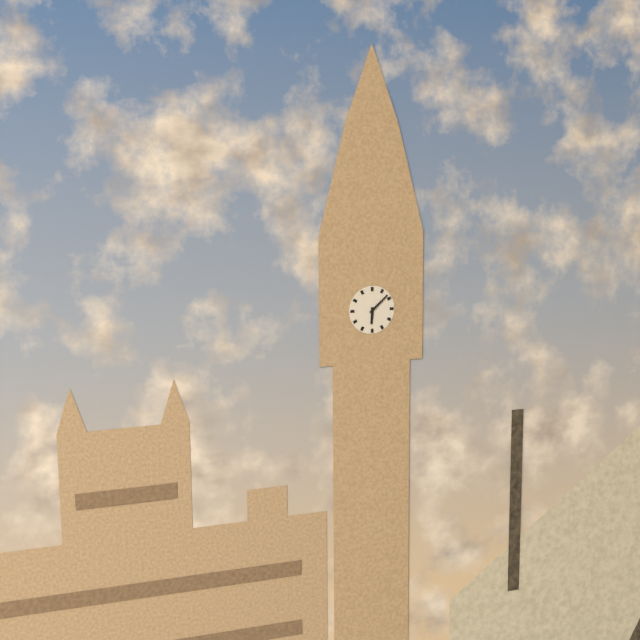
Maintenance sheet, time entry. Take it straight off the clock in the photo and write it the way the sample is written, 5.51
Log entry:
6.08
